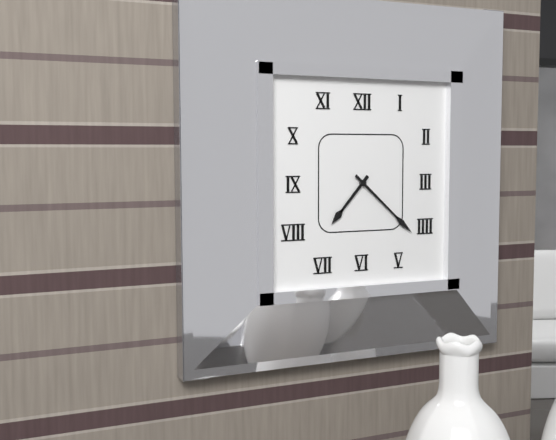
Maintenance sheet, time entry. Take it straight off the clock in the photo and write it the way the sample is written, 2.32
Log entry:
7.22
